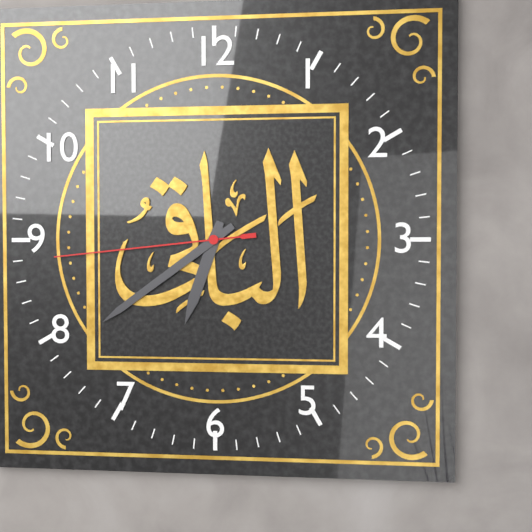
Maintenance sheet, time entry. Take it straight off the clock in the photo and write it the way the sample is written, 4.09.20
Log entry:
6.39.44
